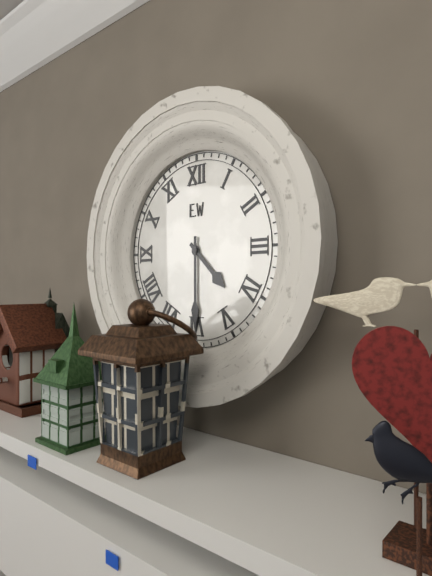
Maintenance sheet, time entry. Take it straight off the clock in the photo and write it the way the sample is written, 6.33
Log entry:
4.30
